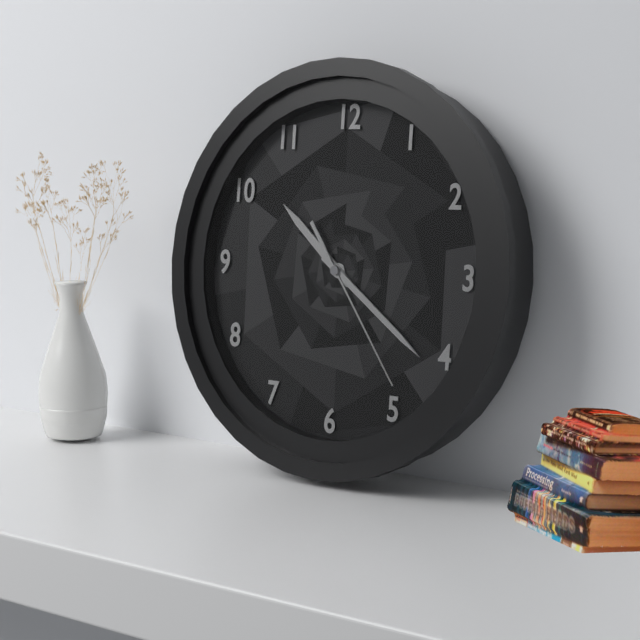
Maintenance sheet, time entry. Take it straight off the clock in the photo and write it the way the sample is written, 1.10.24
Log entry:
10.21.24
